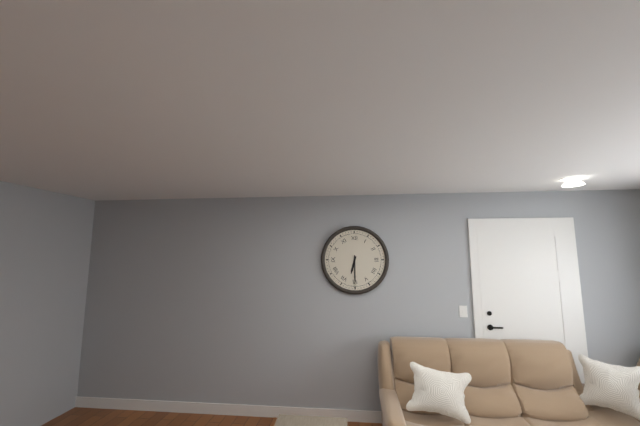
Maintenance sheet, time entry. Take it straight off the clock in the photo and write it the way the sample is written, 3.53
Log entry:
6.30
